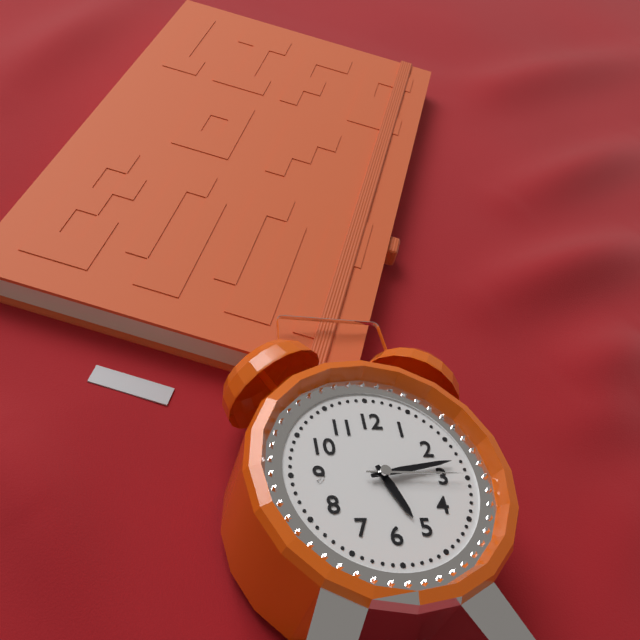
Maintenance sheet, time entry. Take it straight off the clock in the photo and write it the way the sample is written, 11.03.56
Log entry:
5.13.15
